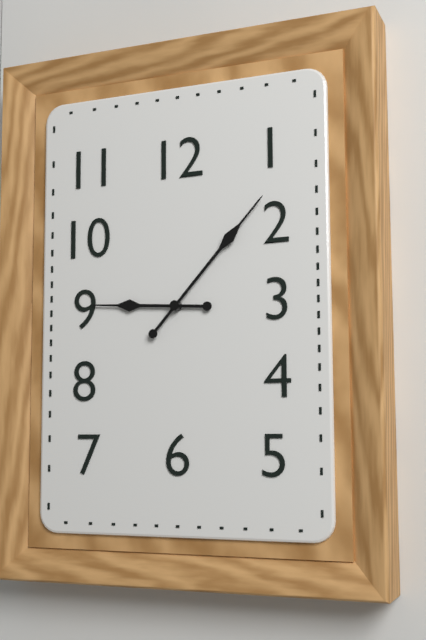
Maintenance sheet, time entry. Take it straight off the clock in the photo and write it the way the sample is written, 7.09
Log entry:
9.07
